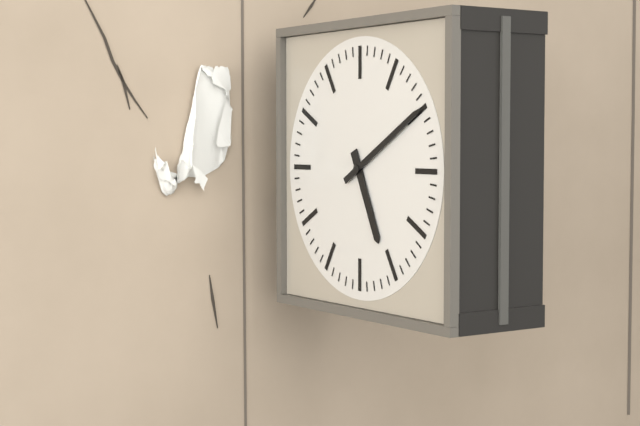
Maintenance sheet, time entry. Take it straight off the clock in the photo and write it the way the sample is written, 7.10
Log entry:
5.10
